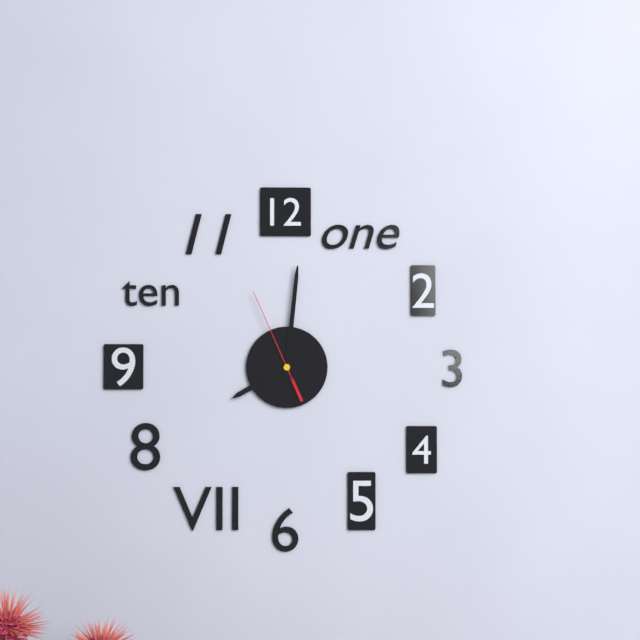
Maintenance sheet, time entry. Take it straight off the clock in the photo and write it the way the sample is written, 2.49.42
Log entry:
8.01.56
